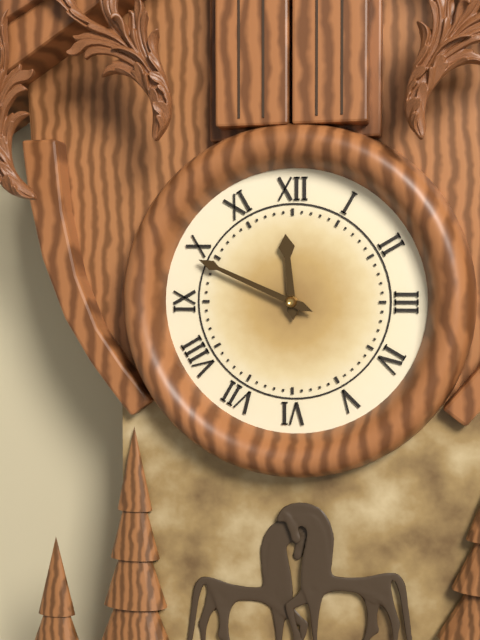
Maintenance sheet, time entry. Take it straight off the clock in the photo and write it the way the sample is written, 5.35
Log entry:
11.49
